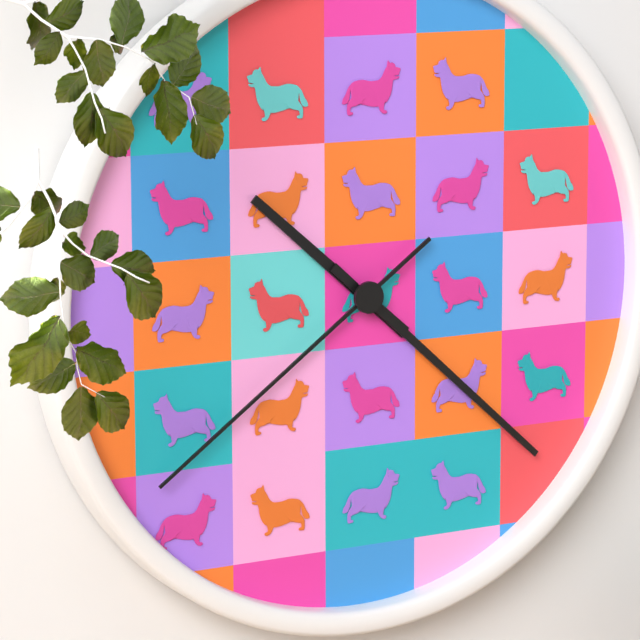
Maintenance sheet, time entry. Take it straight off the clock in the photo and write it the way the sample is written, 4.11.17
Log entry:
10.22.39
